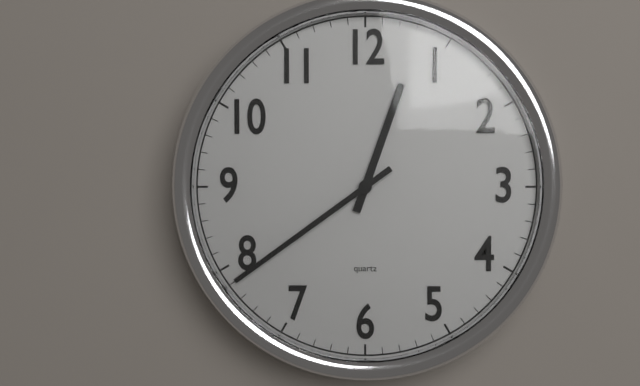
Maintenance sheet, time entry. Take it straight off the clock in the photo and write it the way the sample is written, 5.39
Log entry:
12.39
